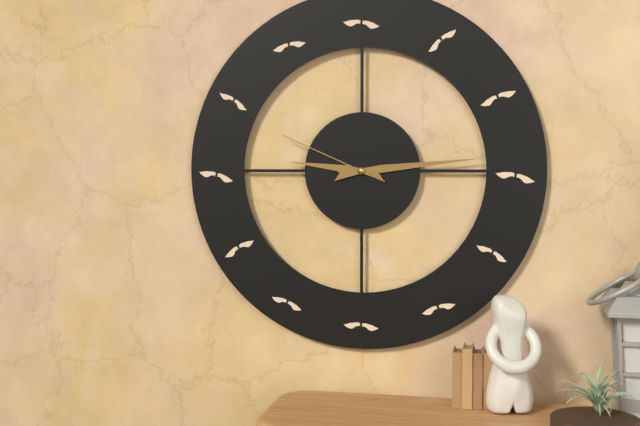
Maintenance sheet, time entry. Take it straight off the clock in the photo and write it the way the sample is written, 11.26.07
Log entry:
9.14.49
